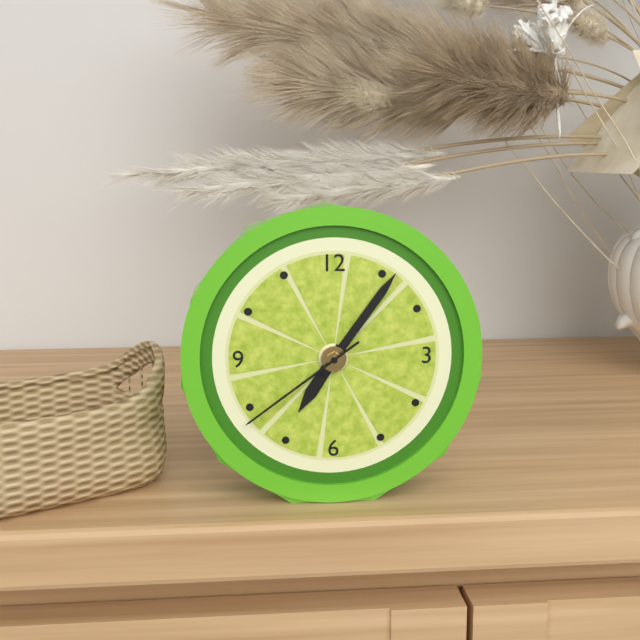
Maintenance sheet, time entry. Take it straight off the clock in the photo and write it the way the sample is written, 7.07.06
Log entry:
7.06.39
